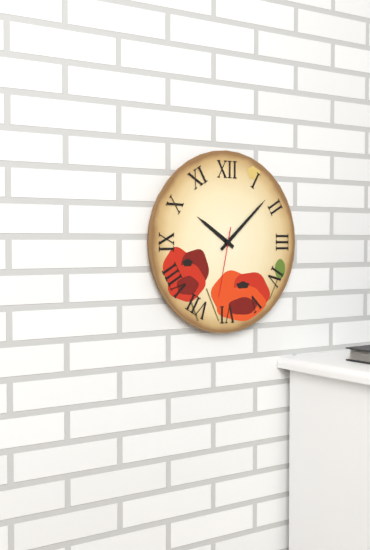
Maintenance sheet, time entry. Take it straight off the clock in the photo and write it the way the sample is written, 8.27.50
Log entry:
10.08.32
